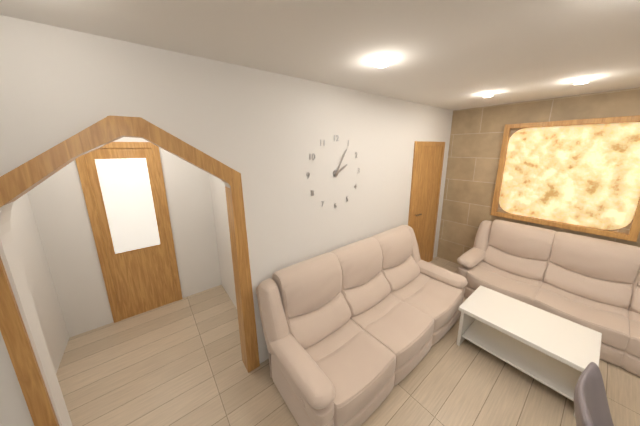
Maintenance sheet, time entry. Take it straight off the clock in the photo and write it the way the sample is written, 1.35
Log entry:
2.05
